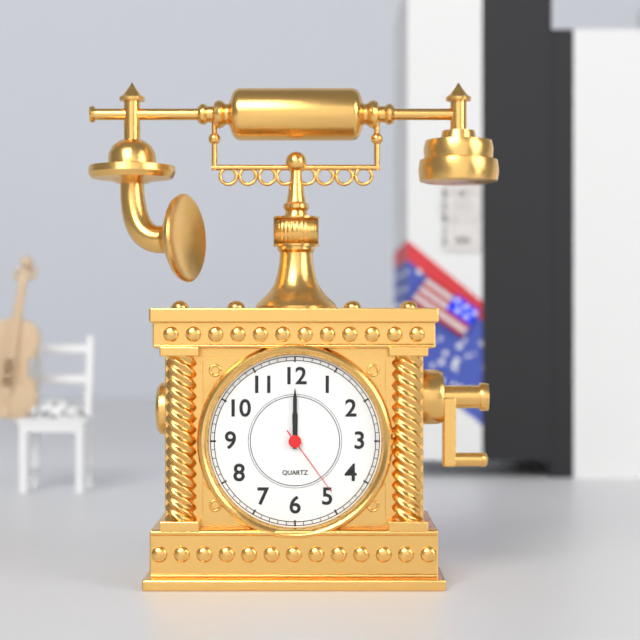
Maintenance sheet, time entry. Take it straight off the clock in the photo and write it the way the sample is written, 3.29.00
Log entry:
12.00.24
